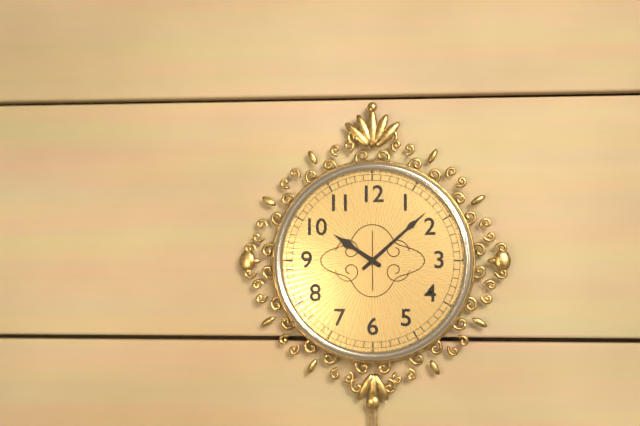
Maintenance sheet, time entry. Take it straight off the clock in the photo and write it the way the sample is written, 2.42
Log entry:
10.08
